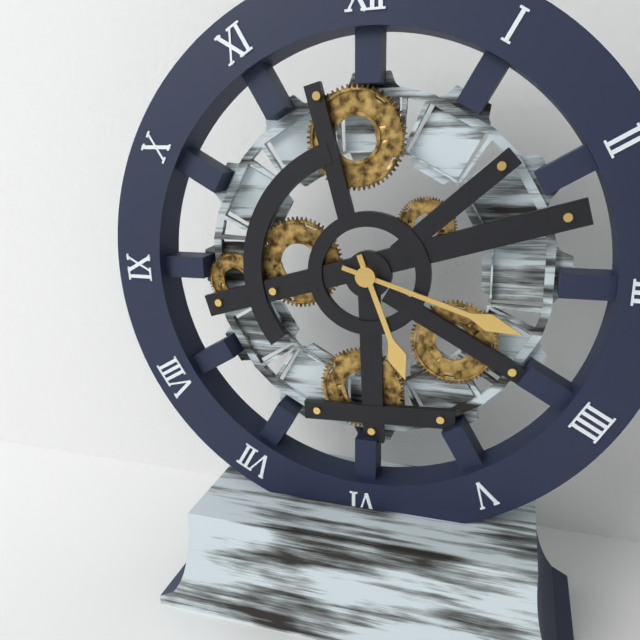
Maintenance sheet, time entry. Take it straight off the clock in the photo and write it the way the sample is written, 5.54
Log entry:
5.18
